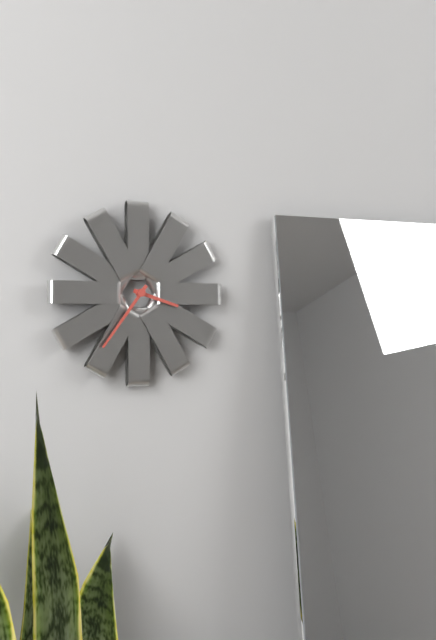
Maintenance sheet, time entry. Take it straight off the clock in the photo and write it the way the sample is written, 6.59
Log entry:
3.36
